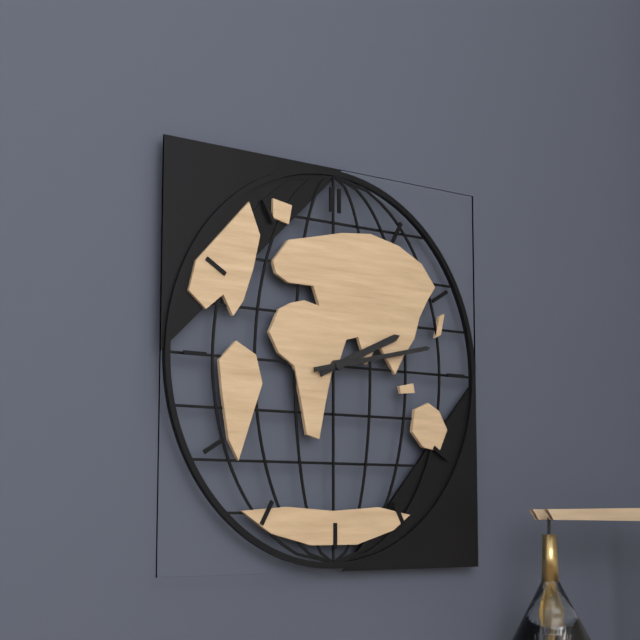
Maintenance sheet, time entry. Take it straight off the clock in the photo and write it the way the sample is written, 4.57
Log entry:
2.13
